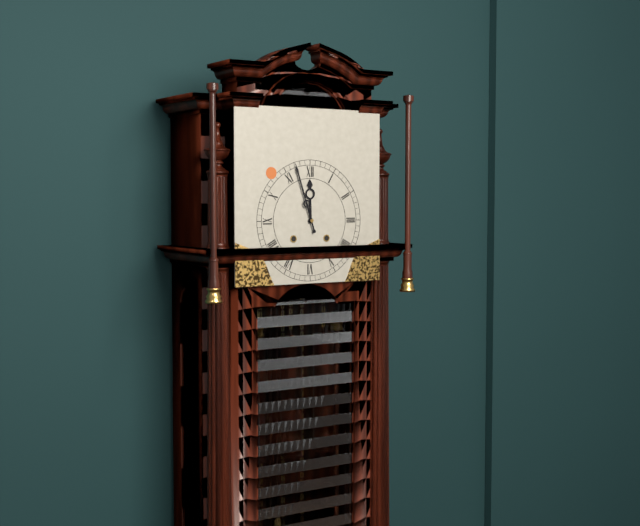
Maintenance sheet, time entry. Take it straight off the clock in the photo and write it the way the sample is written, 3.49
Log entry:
11.57
